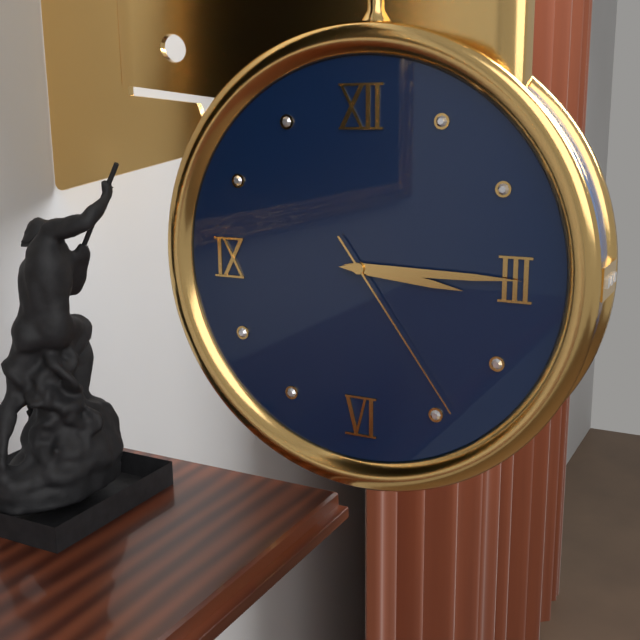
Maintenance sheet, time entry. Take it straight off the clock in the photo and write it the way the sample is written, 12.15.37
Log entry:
3.15.24
